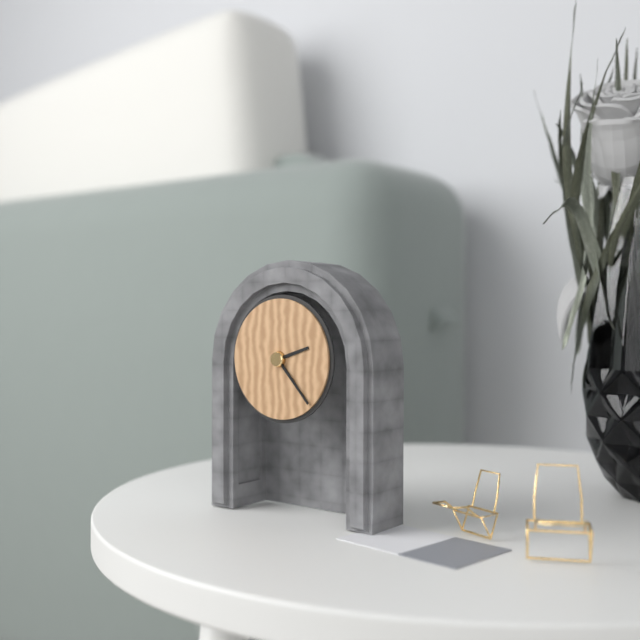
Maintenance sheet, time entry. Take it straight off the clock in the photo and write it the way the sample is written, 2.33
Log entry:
2.23
